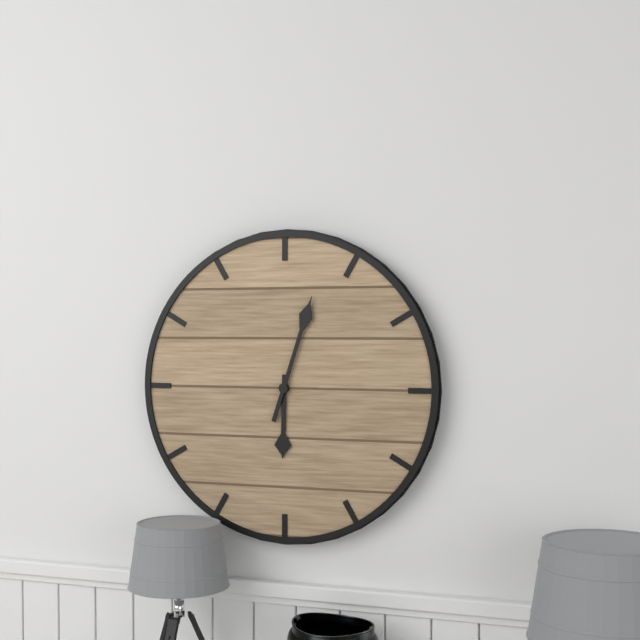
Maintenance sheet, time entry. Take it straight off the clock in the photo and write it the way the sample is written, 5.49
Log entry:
6.03
